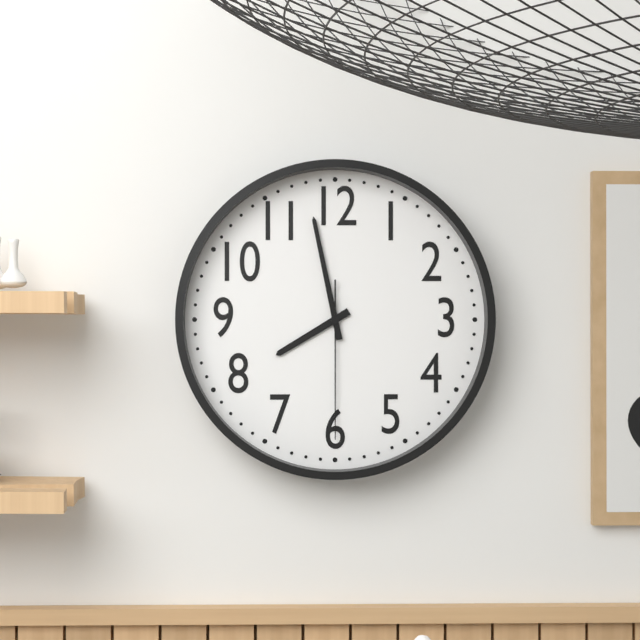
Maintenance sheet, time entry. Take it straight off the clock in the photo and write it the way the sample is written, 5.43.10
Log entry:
7.58.30
